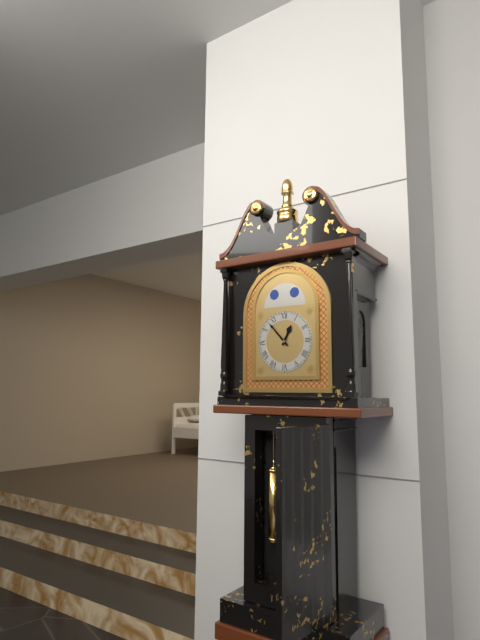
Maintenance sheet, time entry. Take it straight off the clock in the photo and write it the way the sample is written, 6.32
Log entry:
12.53
